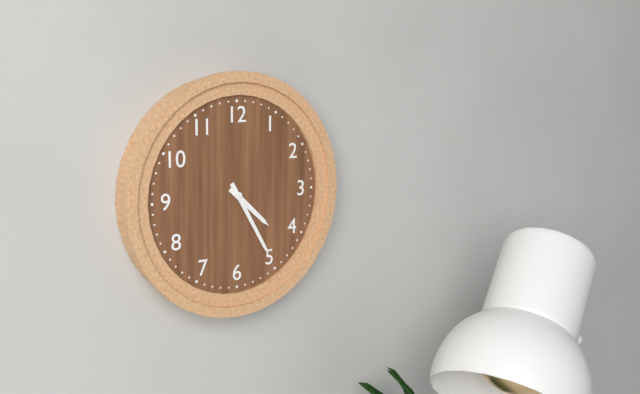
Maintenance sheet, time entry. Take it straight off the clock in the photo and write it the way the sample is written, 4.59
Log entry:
4.25
